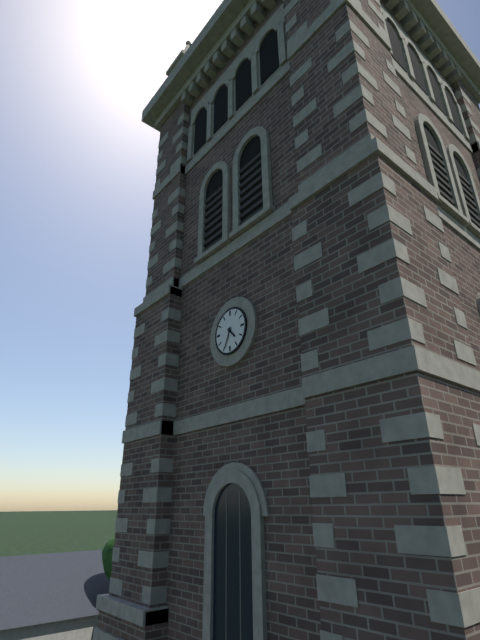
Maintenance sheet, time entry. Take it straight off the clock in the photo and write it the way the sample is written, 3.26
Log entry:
4.34
